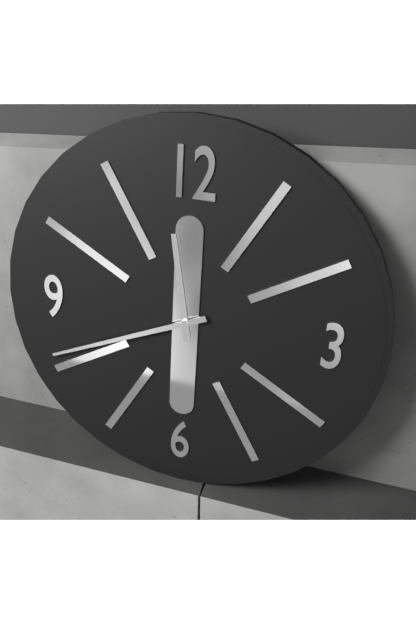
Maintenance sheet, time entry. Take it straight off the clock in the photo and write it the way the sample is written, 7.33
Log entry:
11.41
